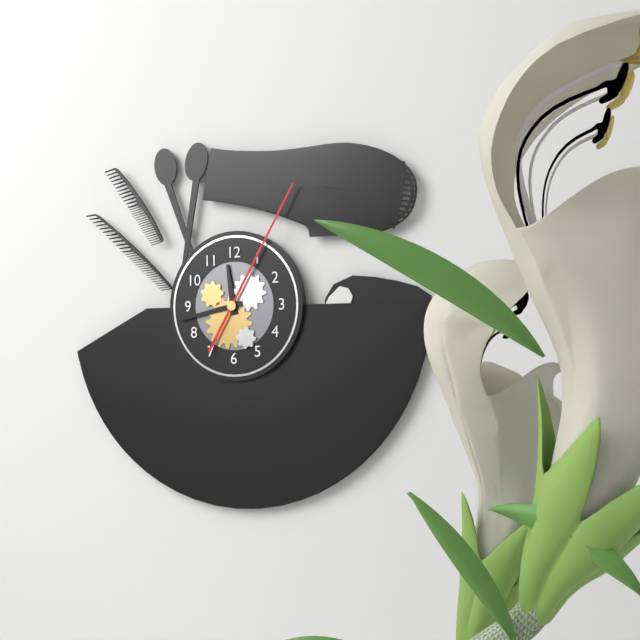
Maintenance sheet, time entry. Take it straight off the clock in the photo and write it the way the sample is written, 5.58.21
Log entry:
11.43.05
